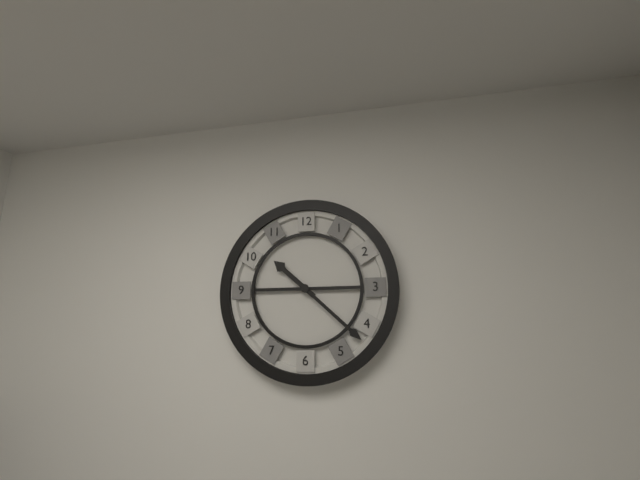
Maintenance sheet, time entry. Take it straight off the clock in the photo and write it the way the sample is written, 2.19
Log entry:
10.22
